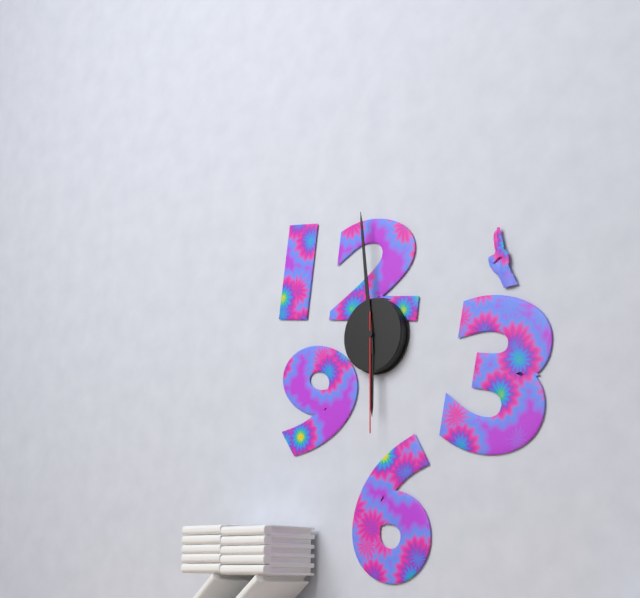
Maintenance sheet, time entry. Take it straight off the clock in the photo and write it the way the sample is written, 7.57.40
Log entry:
5.59.30
